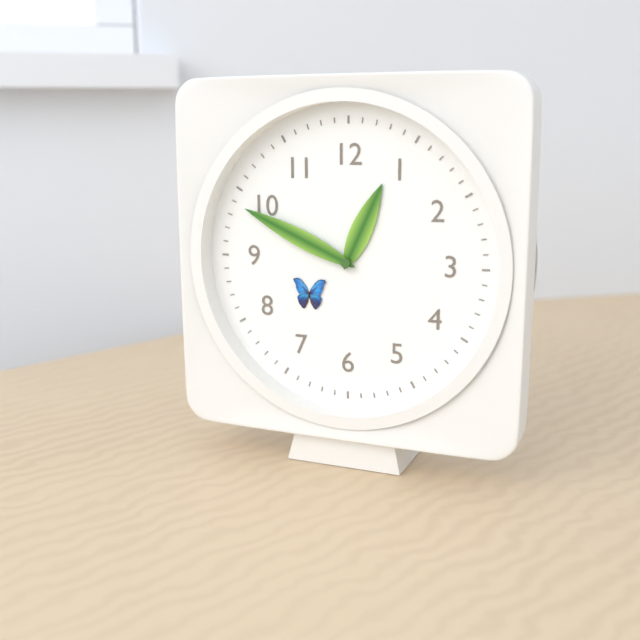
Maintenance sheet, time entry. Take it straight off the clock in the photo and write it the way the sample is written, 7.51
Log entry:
12.49
